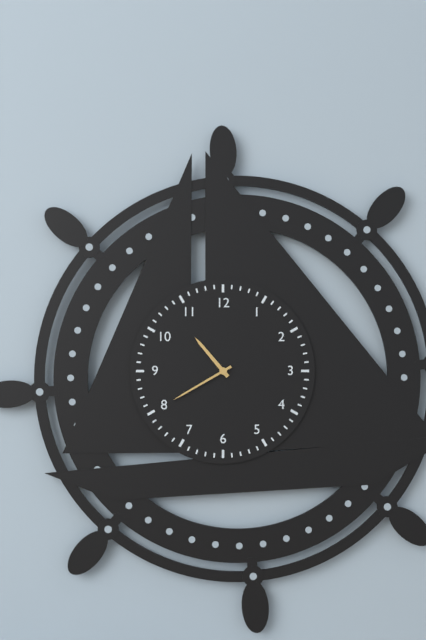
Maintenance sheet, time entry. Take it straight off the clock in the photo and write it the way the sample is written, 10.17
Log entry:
10.40
